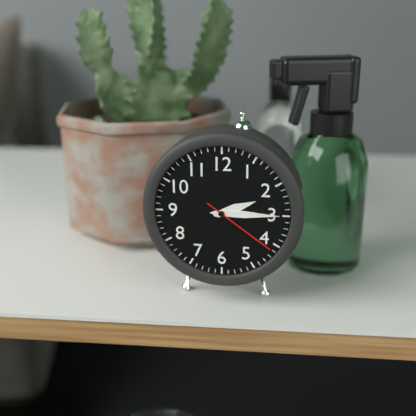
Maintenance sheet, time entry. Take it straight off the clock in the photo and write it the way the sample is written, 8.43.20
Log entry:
2.15.21
